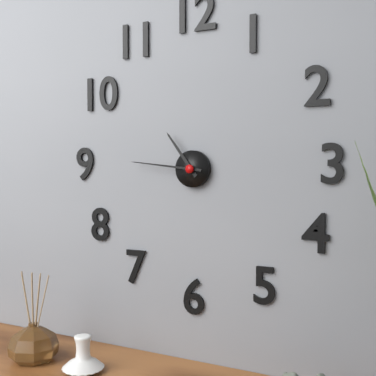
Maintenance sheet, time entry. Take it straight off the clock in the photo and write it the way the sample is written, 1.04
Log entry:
10.46
